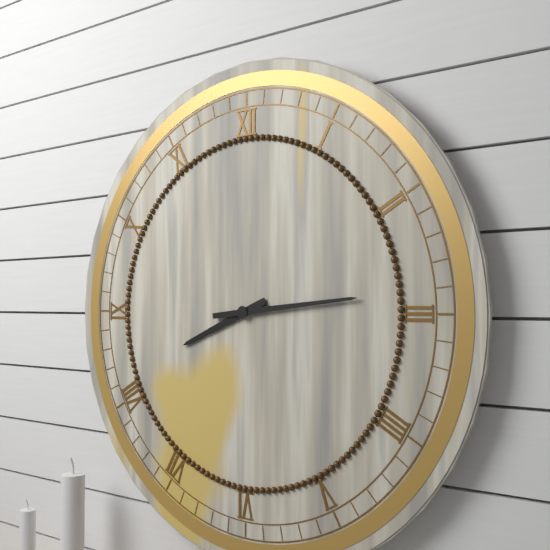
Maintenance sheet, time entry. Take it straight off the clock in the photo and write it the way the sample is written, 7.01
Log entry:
8.14
